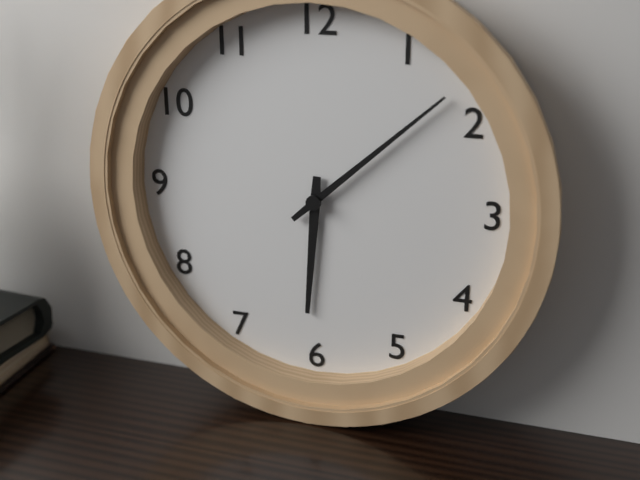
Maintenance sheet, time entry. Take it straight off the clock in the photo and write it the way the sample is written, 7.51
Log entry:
6.08
